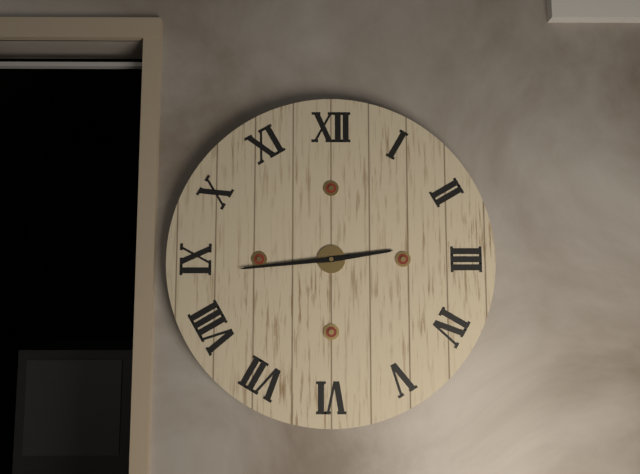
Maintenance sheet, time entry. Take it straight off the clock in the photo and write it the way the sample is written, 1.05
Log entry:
2.44
